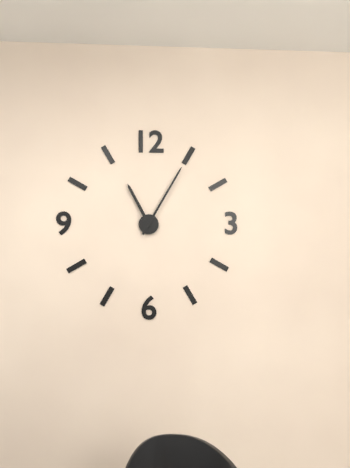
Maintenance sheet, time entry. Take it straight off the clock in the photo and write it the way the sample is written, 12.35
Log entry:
11.05
